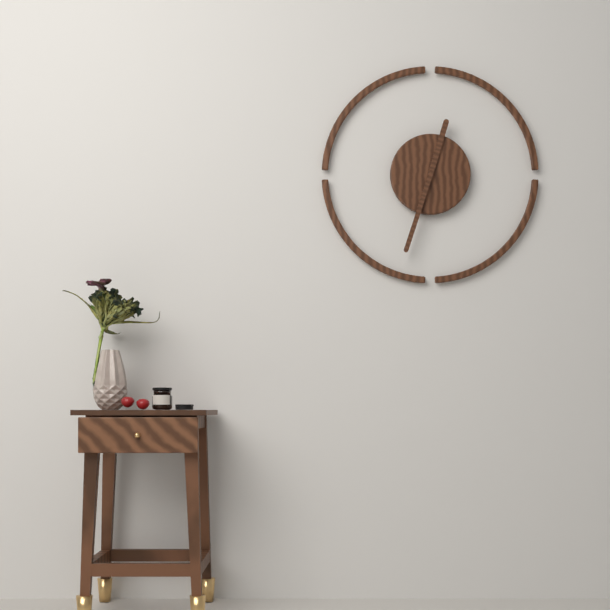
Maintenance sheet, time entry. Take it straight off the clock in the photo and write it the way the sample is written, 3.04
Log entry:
12.33
